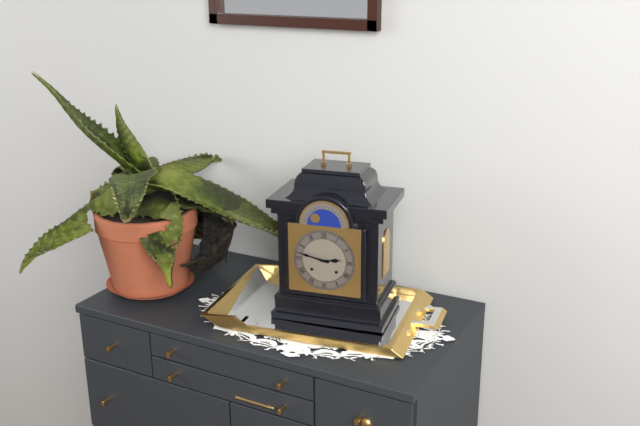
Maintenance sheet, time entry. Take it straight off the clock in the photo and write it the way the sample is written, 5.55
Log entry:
2.47
